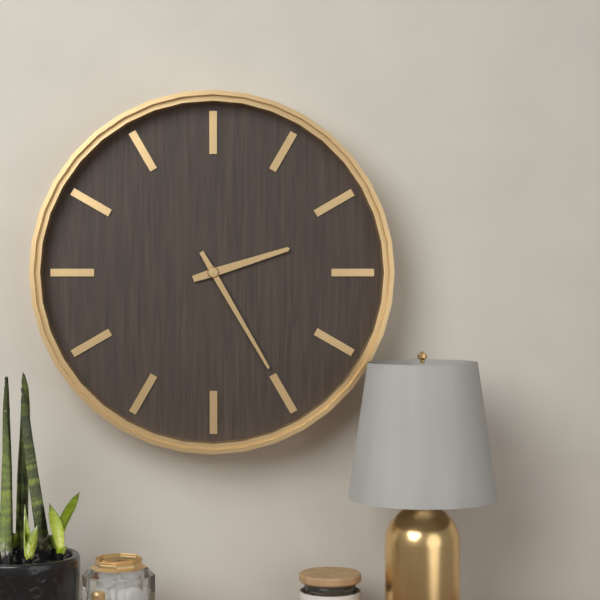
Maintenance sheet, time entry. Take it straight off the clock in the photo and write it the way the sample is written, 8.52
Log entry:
2.25
